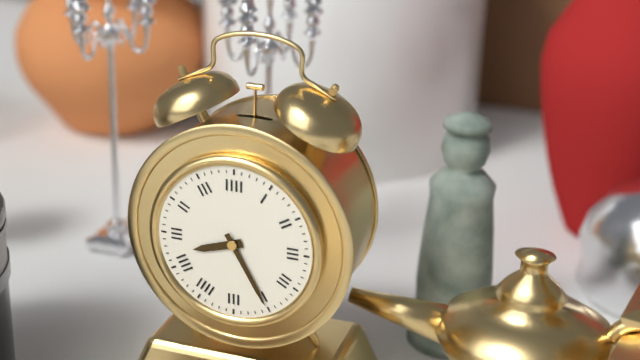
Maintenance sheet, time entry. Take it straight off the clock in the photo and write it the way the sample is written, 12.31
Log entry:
8.25
